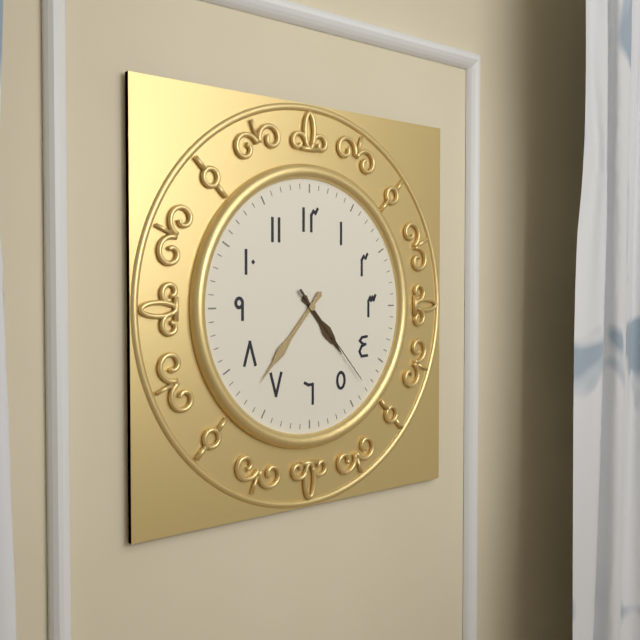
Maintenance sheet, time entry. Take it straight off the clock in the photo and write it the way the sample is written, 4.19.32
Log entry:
4.37.23
